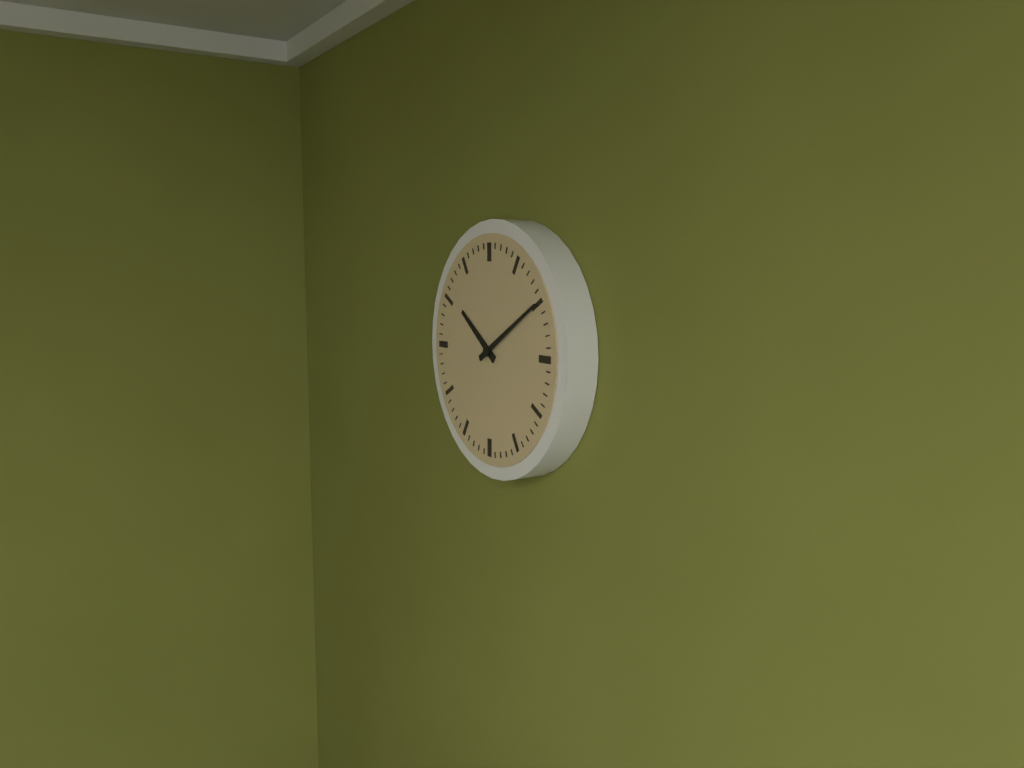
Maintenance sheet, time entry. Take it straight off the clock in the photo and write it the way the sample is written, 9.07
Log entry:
10.10
